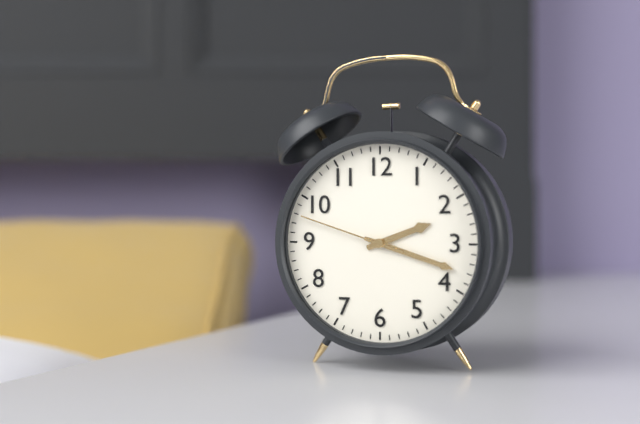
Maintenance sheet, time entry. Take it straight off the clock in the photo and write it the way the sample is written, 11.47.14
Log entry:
2.18.48
